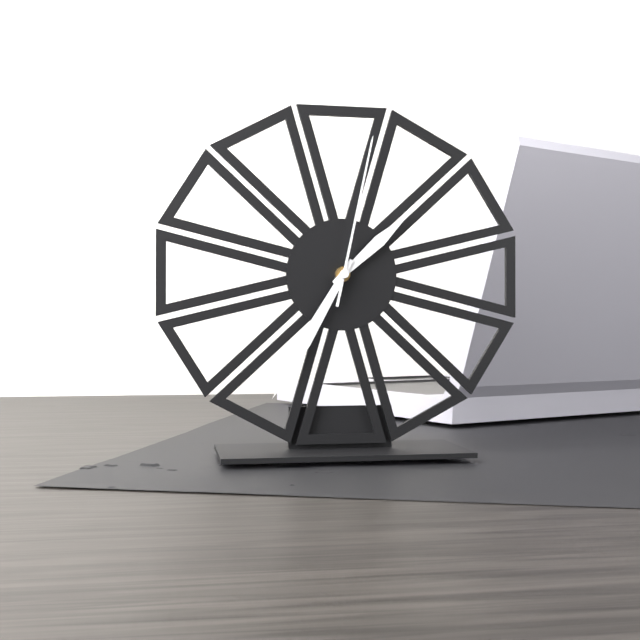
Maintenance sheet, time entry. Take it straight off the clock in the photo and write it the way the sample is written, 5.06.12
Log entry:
1.35.02
